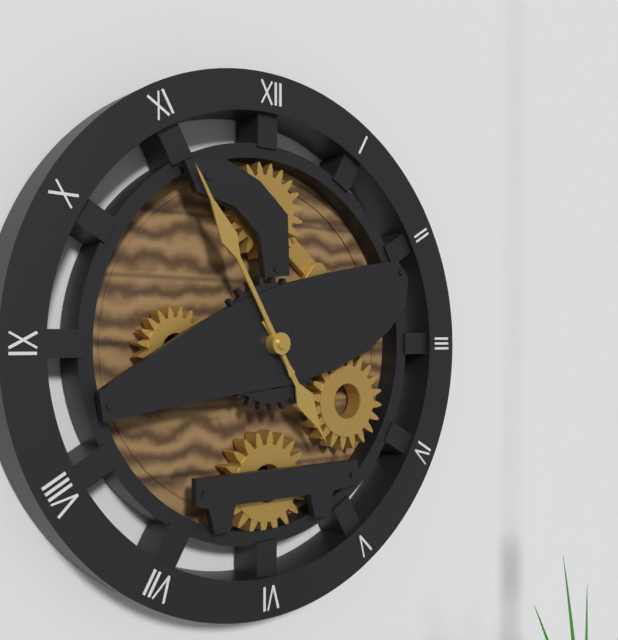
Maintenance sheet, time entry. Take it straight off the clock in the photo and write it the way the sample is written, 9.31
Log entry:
4.55
